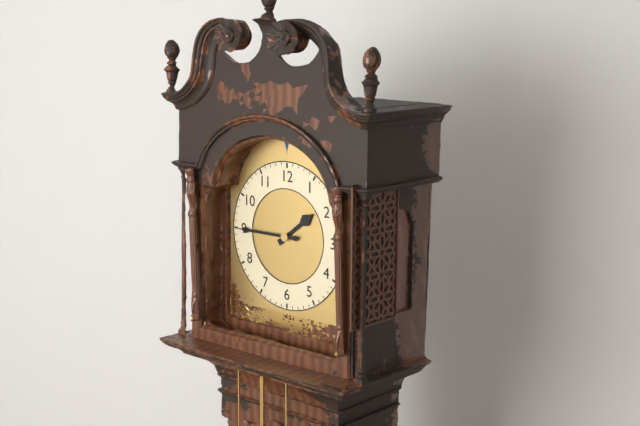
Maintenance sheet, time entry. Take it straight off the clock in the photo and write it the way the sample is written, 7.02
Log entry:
1.45
